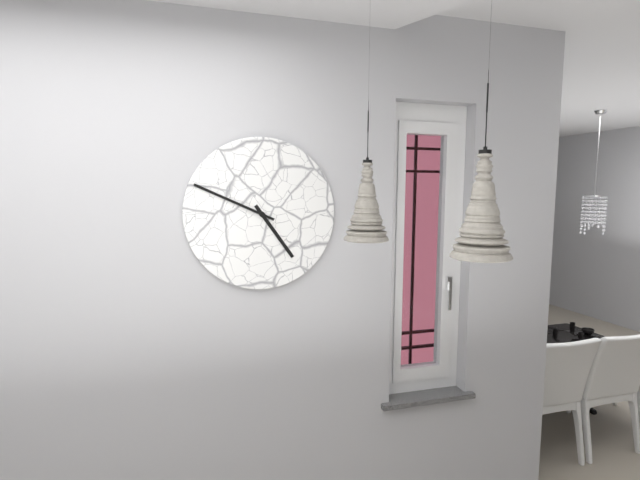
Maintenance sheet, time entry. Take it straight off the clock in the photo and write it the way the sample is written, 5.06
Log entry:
4.49
